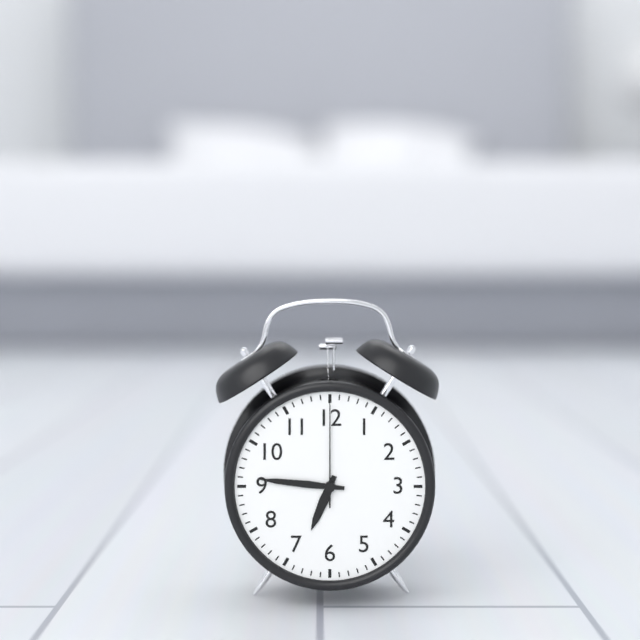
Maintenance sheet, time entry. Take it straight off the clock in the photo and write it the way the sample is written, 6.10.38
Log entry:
6.46.00
